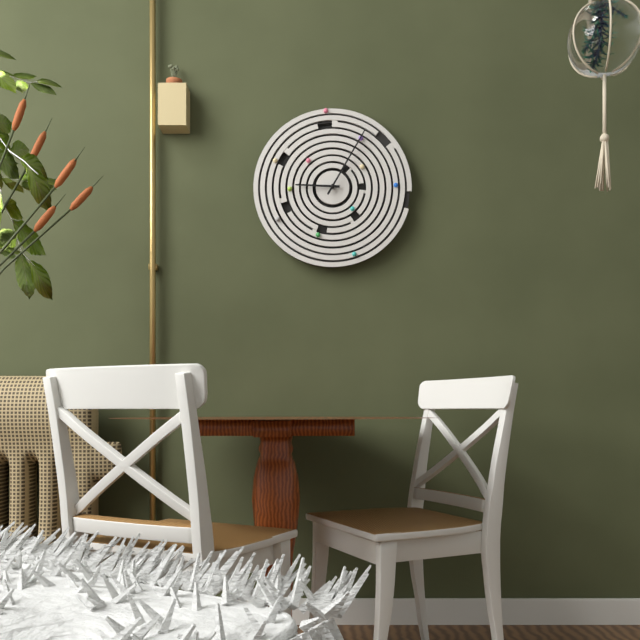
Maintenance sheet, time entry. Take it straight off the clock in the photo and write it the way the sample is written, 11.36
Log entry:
9.05
